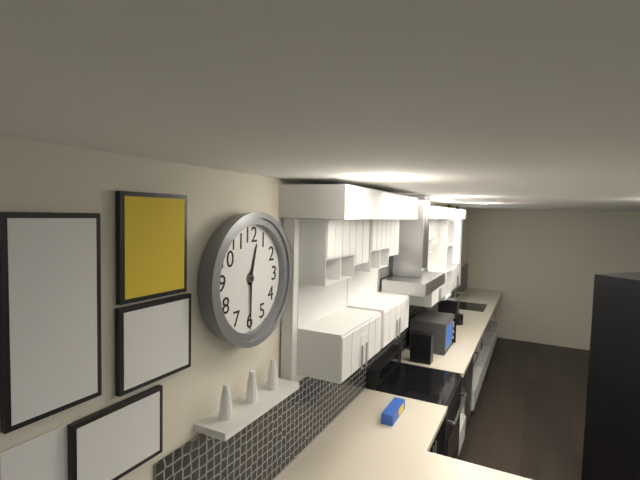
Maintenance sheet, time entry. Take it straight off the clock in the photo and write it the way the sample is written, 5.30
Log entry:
12.30
